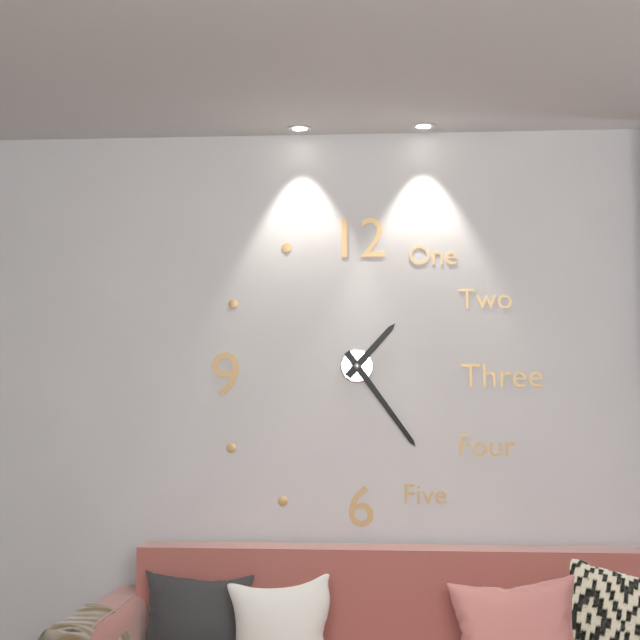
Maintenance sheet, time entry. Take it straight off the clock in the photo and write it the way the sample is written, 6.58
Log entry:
1.24
